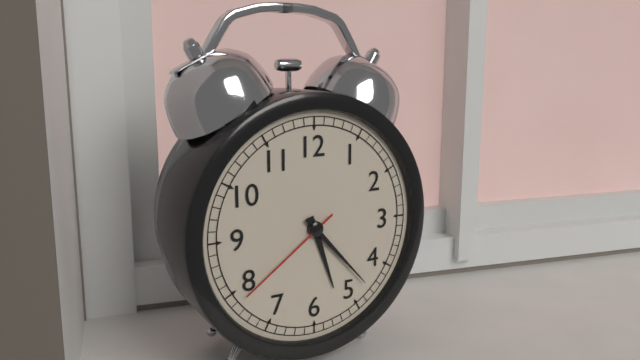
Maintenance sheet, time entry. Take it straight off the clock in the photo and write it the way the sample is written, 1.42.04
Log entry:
5.23.39
